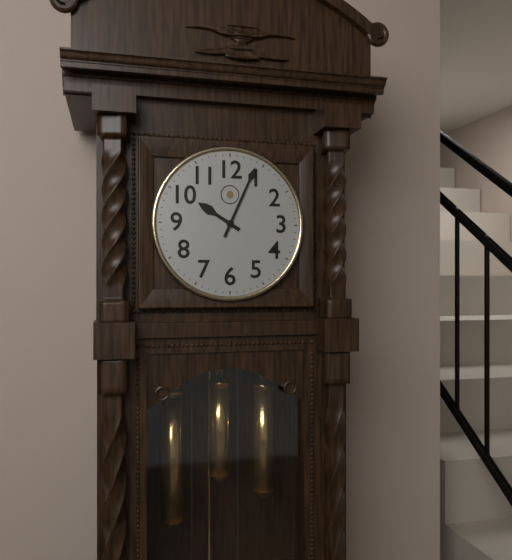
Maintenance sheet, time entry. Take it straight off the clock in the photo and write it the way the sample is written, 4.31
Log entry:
10.04
